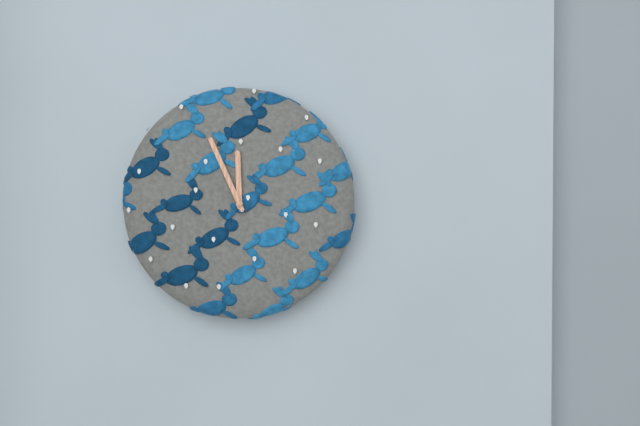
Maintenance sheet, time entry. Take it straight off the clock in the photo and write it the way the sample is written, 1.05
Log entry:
11.56
